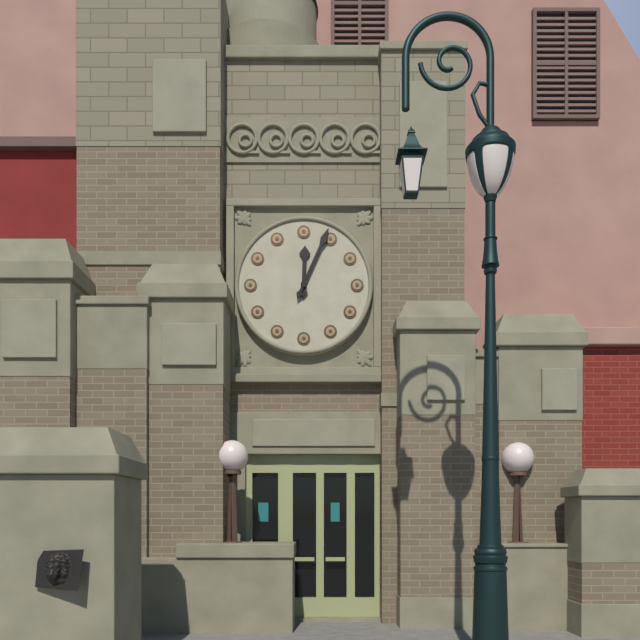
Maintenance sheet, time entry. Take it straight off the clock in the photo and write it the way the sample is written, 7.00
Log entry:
12.04
